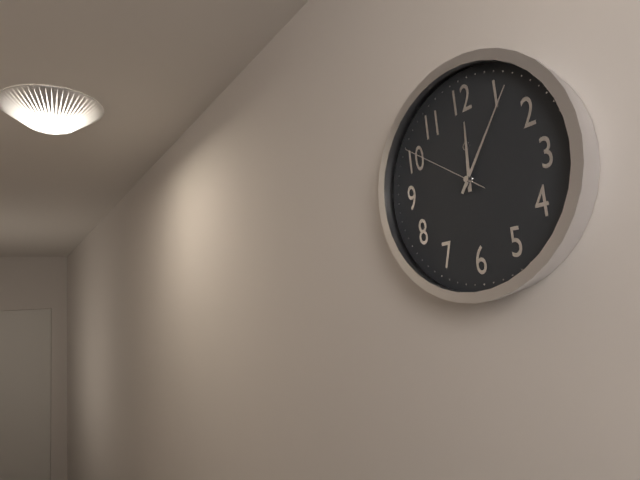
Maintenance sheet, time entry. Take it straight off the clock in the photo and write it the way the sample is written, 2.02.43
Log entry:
12.06.51
